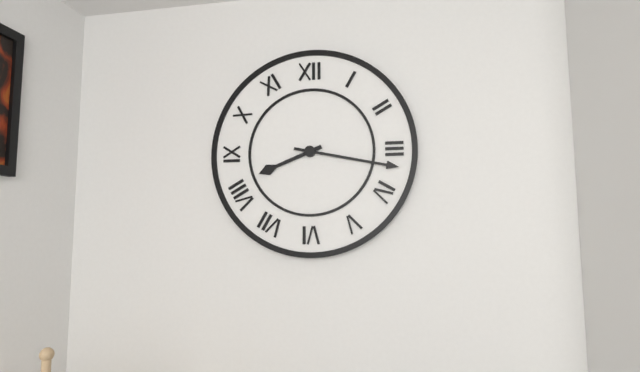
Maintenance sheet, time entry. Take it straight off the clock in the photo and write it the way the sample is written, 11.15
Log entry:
8.17
